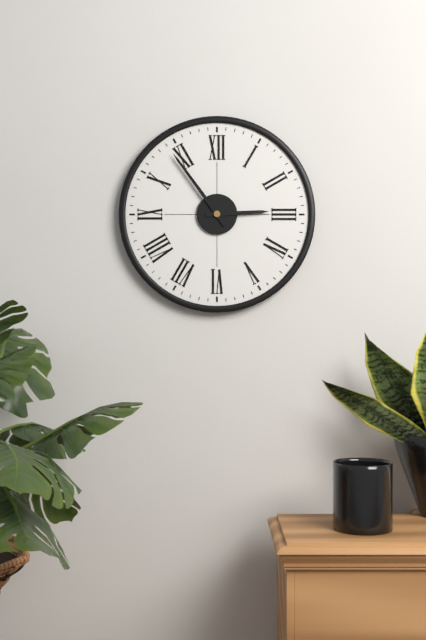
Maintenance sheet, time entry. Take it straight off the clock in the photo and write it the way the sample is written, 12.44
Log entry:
2.54
